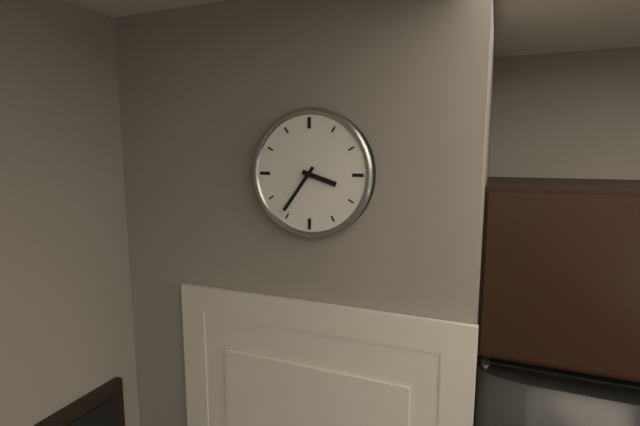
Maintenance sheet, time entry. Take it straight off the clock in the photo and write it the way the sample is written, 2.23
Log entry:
3.36
